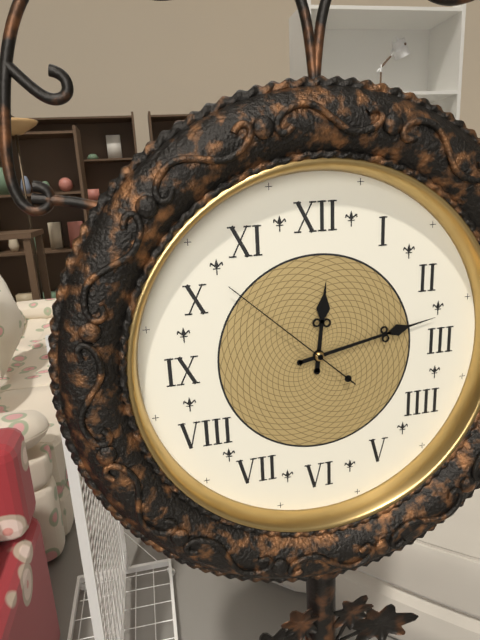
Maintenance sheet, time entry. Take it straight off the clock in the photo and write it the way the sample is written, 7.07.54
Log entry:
12.13.52
